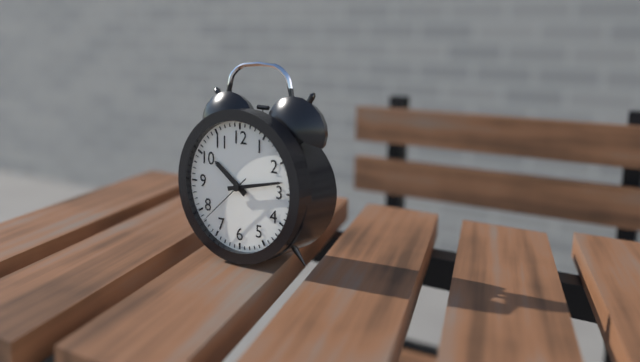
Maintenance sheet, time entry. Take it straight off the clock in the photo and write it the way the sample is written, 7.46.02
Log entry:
10.13.38
